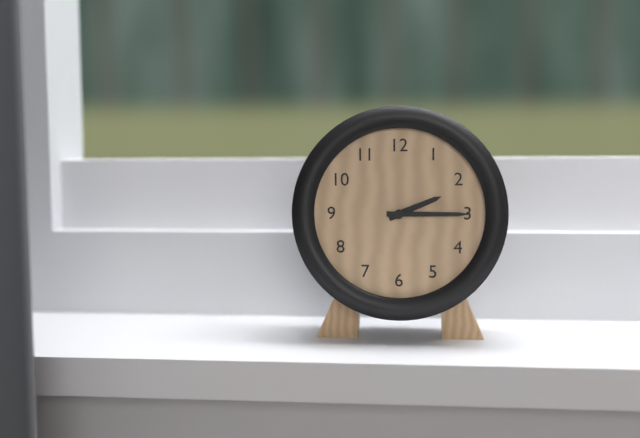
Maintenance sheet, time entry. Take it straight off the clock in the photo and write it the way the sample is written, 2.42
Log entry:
2.15
